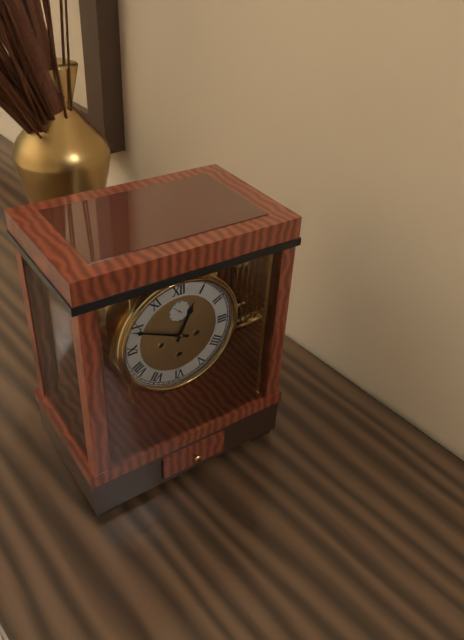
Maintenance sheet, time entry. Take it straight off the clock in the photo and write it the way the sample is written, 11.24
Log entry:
12.49
